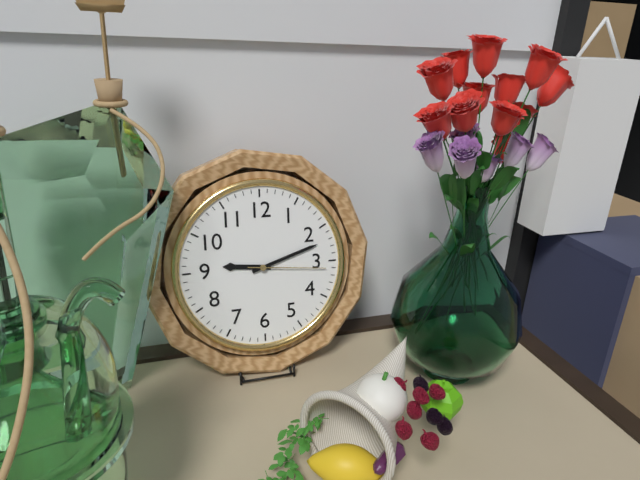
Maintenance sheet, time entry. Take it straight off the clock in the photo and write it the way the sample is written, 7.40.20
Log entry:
9.12.16
